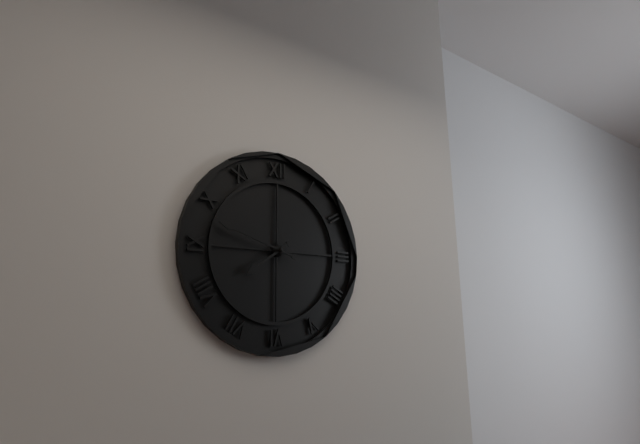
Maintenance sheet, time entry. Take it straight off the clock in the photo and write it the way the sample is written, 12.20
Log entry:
7.48
